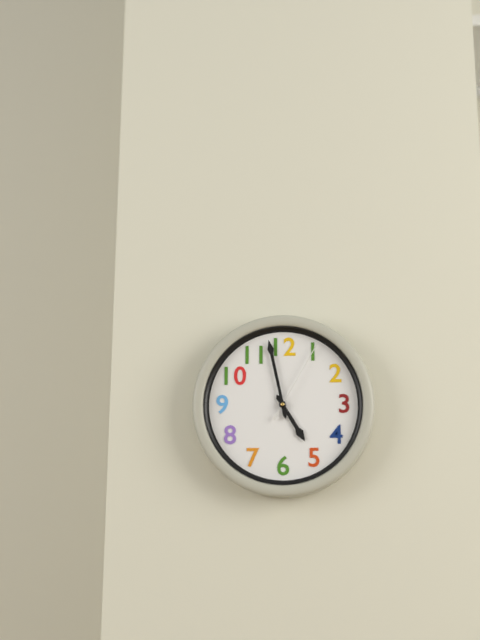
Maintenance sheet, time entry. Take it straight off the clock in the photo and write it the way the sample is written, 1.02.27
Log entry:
4.58.05
